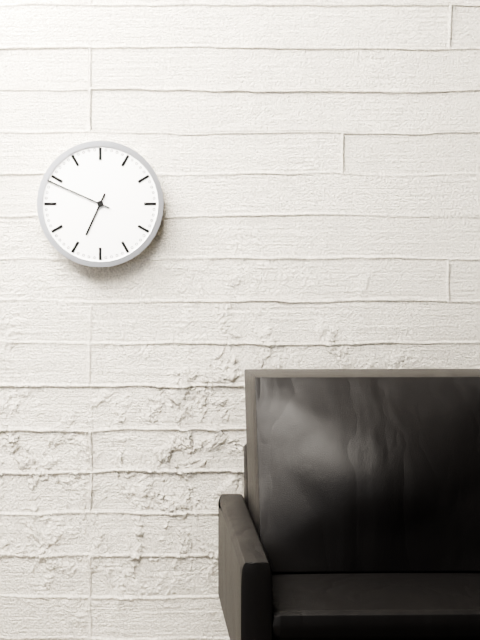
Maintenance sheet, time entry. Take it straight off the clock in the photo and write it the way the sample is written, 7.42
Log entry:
6.49
